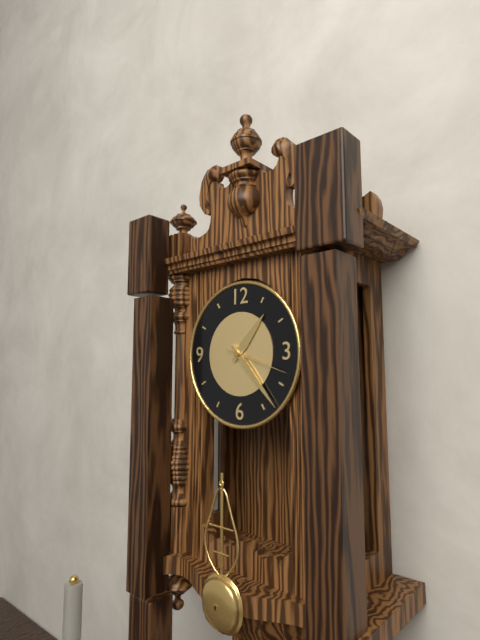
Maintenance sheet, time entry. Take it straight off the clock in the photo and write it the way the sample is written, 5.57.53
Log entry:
1.23.18
